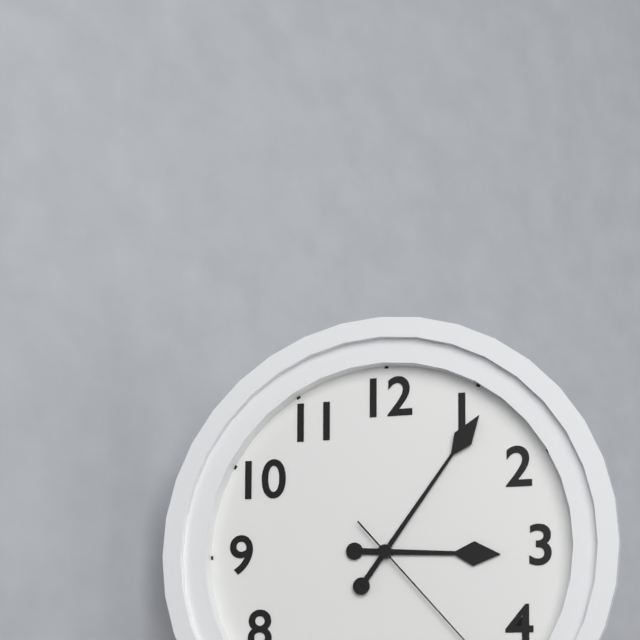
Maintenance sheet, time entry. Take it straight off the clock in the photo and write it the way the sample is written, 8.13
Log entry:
3.06
